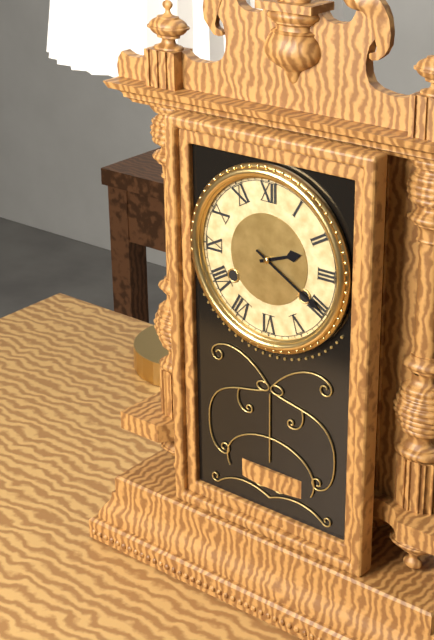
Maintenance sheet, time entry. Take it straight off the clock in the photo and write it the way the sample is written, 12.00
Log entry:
2.20
